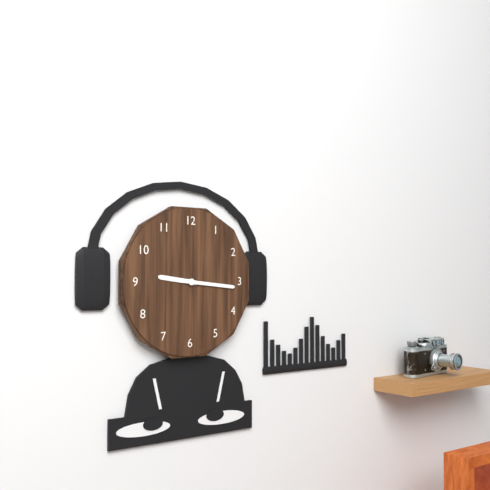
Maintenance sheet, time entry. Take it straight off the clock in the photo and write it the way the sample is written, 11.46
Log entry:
9.16
